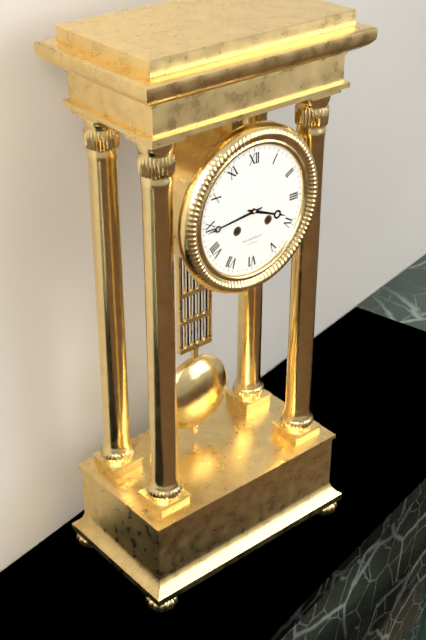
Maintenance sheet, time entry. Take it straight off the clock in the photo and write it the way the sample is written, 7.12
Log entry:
3.44
